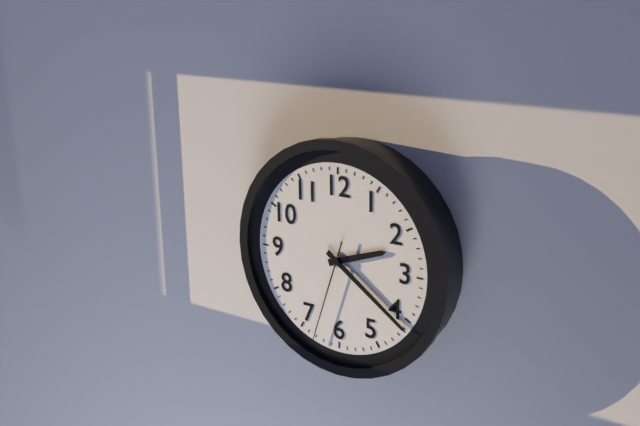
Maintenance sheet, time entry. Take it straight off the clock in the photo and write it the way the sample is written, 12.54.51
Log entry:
2.21.33
